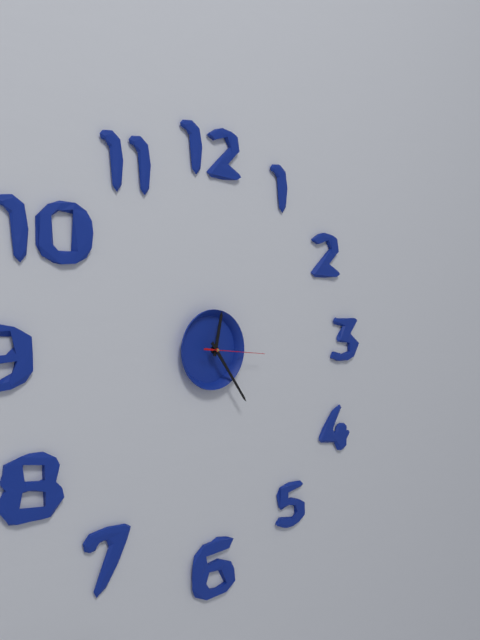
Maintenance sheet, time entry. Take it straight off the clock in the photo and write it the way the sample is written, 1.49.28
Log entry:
12.24.16
